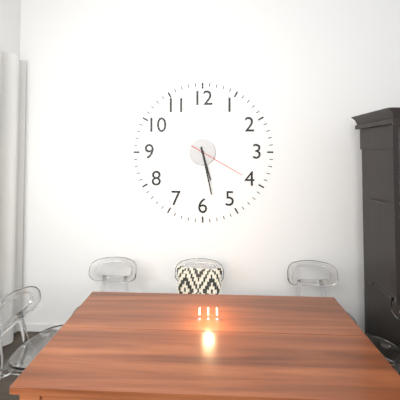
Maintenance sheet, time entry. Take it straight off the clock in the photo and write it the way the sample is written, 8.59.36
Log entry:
5.28.20
